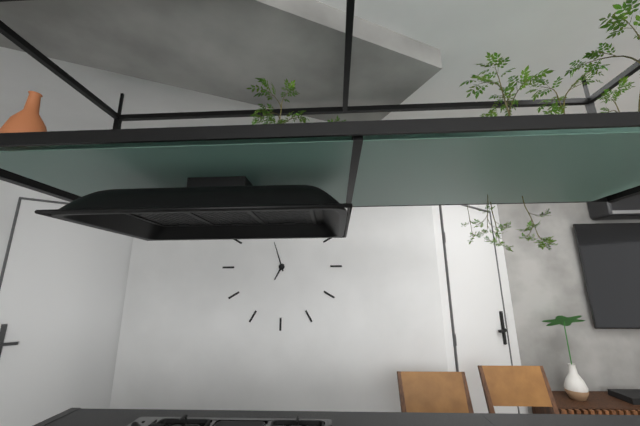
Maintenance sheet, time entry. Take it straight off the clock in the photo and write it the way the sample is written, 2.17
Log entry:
6.57
